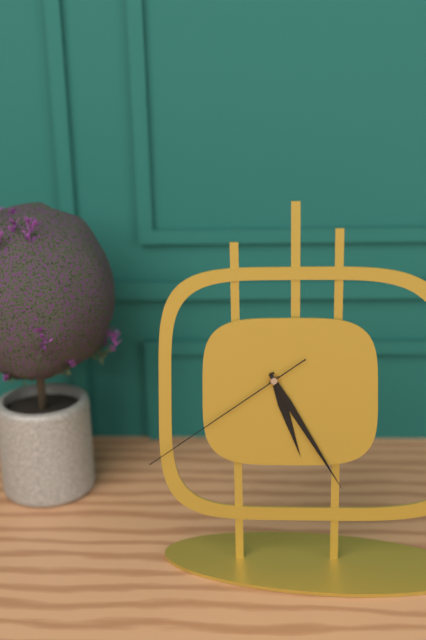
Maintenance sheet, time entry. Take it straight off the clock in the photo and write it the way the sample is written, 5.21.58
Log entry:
5.25.39
